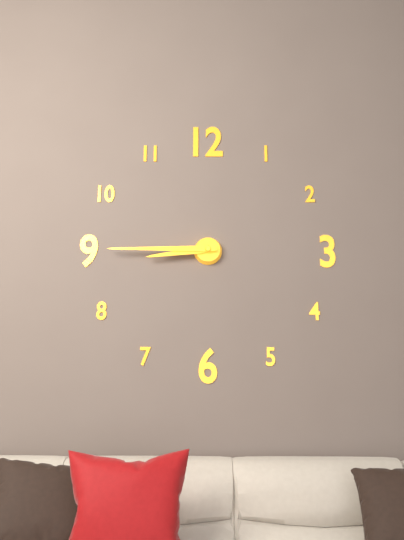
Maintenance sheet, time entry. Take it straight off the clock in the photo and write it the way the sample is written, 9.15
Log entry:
8.45
